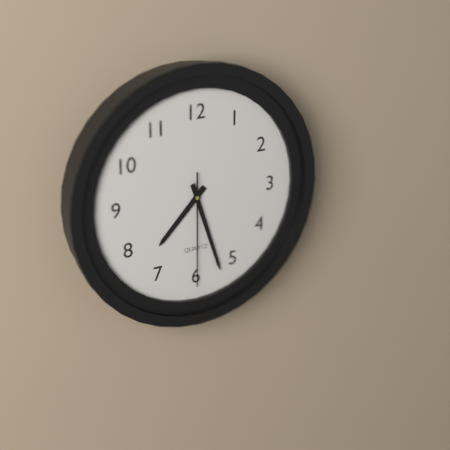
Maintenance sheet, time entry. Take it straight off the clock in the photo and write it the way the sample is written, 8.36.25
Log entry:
7.27.30
